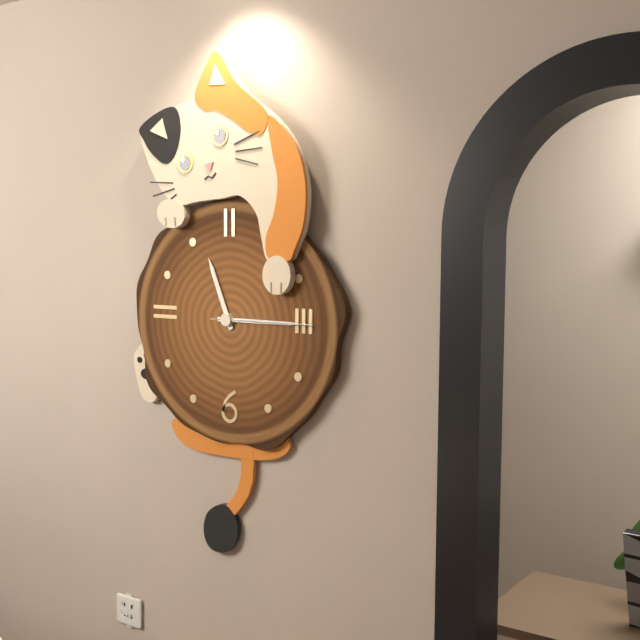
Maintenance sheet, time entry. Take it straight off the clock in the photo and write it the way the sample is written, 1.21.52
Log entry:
11.15.15
